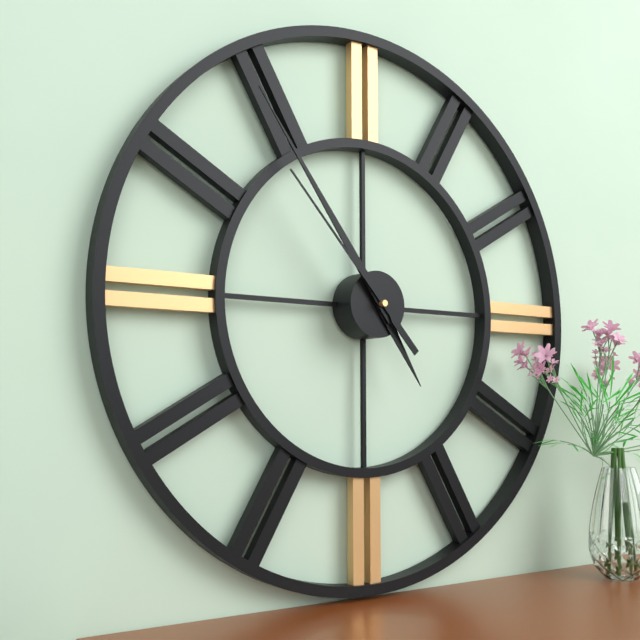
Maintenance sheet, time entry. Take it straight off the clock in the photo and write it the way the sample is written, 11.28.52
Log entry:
4.54.53
